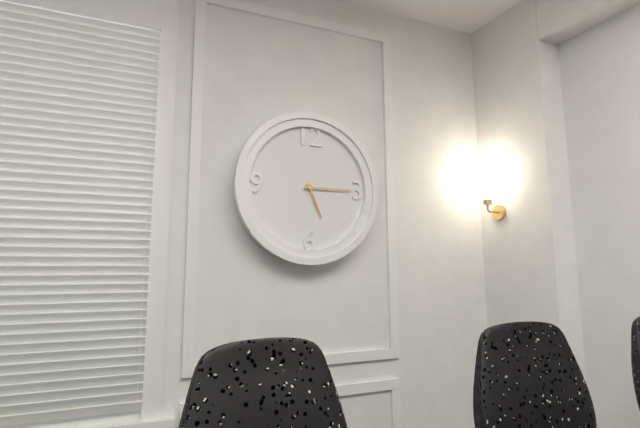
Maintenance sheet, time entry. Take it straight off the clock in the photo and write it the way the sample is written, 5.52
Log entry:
5.15
